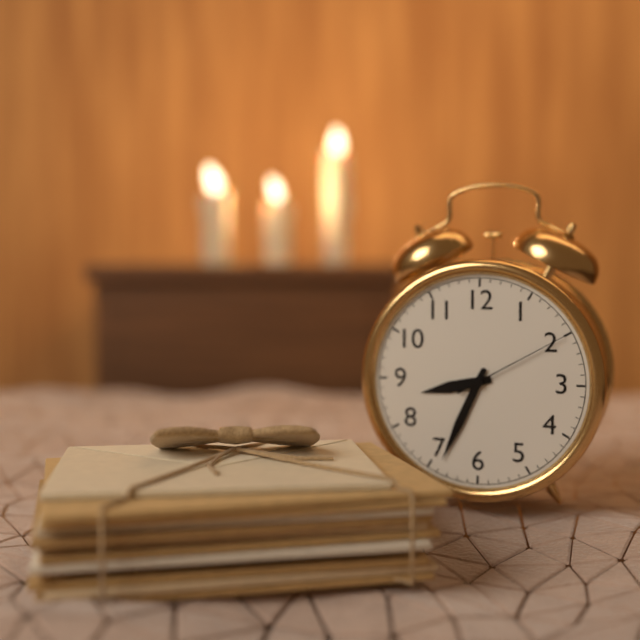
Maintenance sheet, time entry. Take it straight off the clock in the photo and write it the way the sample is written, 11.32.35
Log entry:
8.34.10
